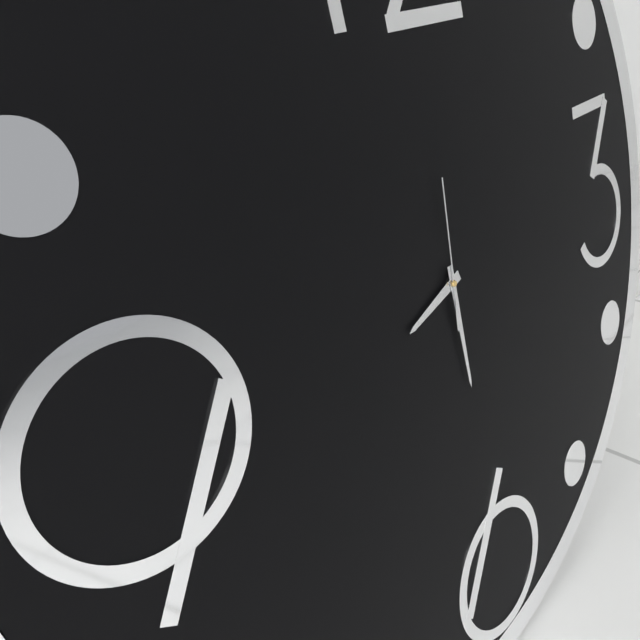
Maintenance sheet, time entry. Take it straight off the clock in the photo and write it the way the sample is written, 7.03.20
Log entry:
8.30.01
